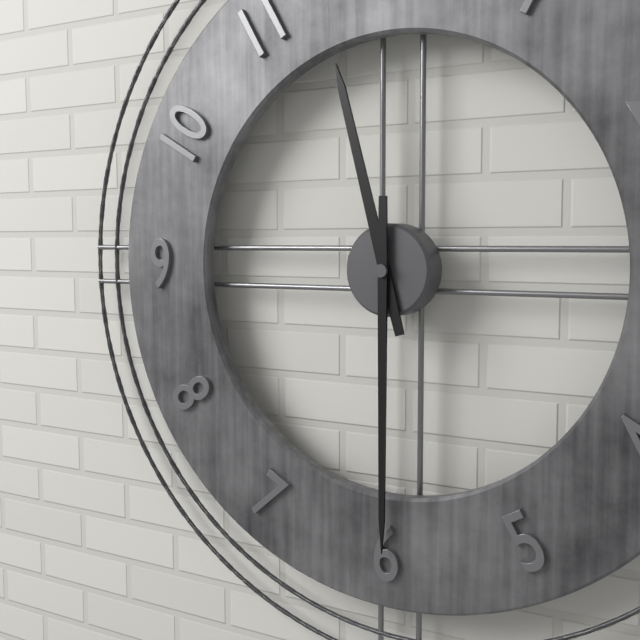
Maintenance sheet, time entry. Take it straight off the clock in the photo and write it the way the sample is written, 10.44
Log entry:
11.30
